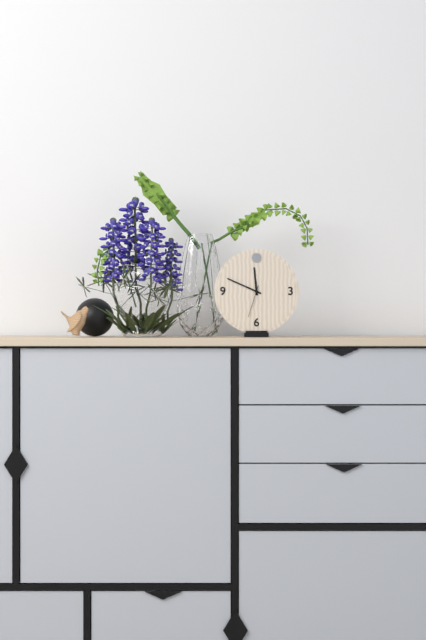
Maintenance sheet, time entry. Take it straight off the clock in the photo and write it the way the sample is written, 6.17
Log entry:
11.49
